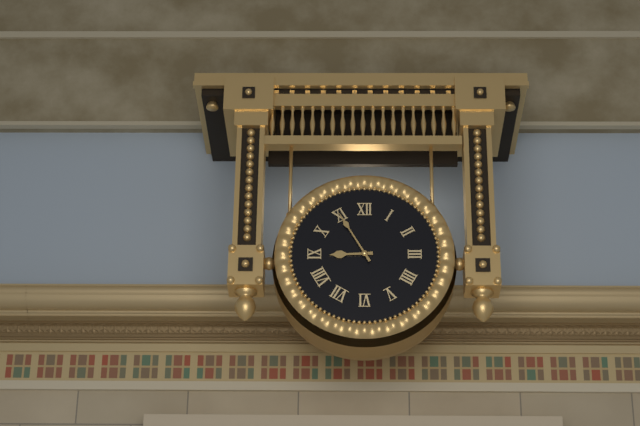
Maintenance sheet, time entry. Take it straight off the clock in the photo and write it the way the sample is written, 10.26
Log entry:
8.55
